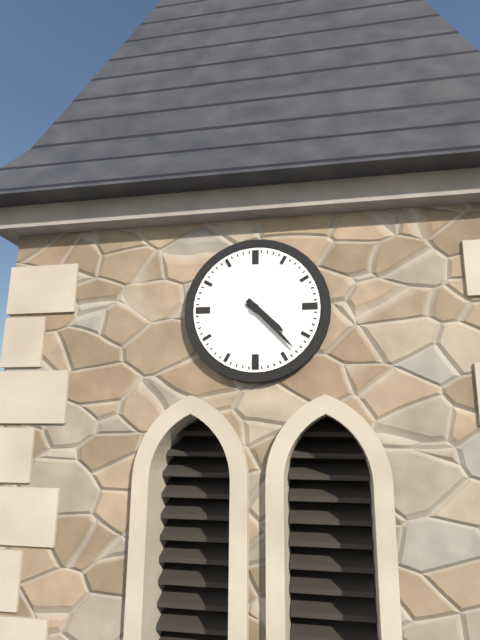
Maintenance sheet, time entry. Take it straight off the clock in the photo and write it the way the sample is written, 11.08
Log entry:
4.23
